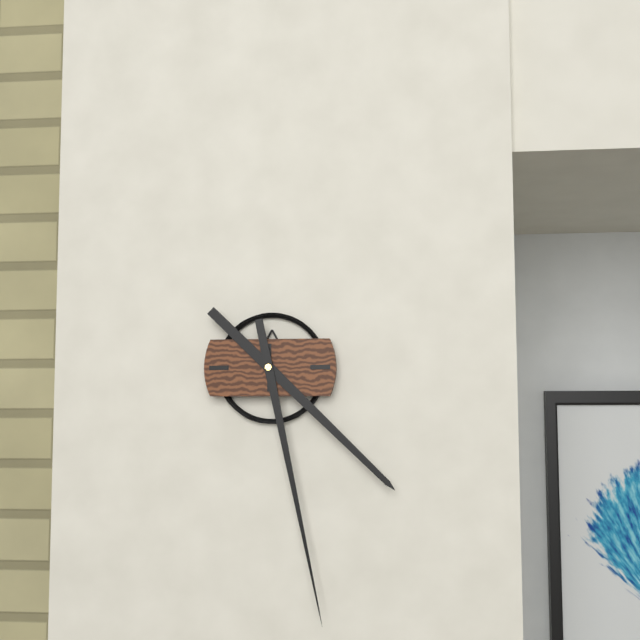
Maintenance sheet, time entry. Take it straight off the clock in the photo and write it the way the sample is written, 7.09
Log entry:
4.28
